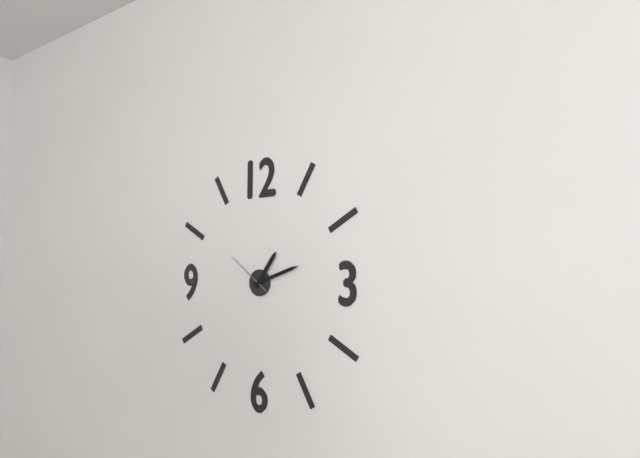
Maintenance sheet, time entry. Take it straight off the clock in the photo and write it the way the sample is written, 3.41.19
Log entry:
1.12.51
